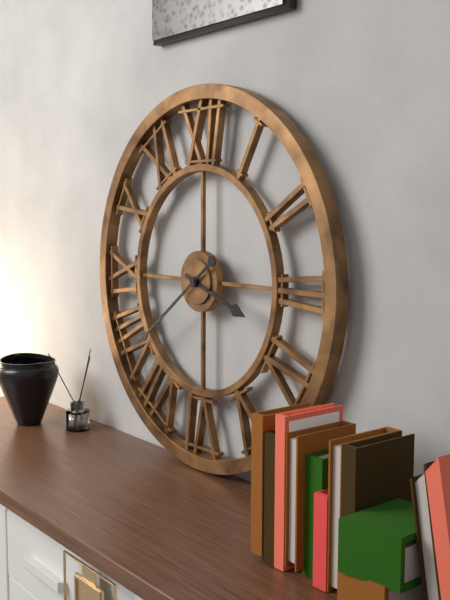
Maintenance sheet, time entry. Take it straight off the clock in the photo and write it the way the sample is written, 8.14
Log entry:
3.39
